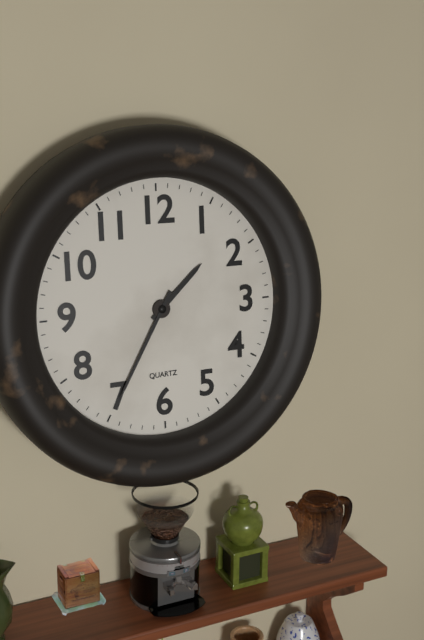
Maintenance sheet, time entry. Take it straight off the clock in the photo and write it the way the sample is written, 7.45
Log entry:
1.35
